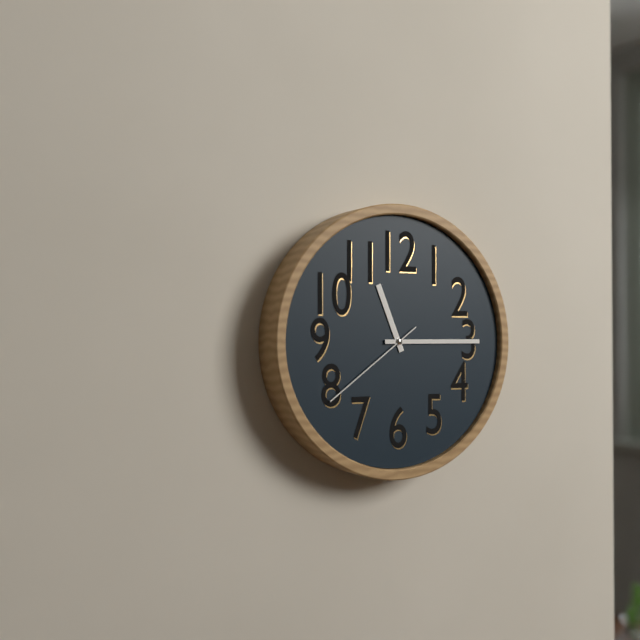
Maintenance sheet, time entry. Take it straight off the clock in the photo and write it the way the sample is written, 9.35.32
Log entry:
11.15.39
